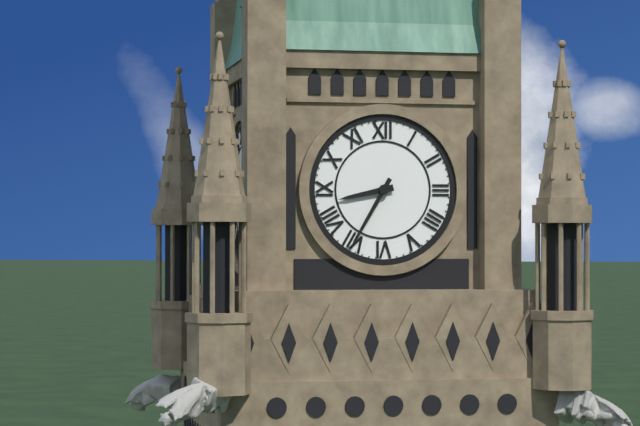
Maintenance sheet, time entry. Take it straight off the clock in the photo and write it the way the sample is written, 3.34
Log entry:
8.35
